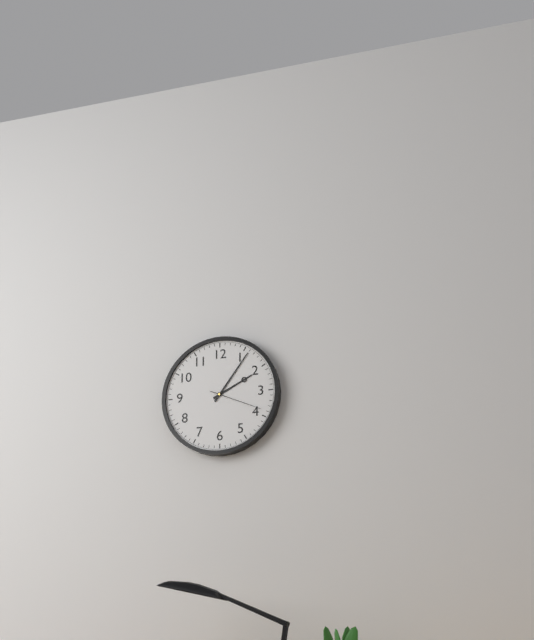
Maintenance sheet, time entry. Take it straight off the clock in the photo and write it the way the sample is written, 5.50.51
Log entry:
2.06.19
